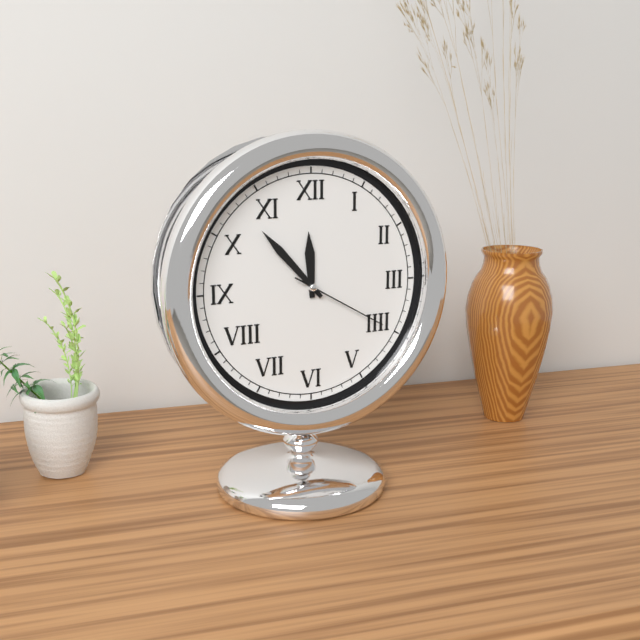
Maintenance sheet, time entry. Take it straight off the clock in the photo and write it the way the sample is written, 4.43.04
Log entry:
11.53.20
